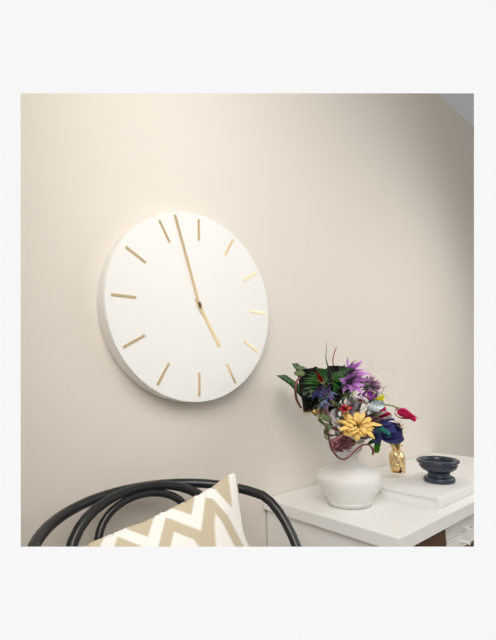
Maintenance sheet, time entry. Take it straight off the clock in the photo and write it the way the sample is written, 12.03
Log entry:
4.57
